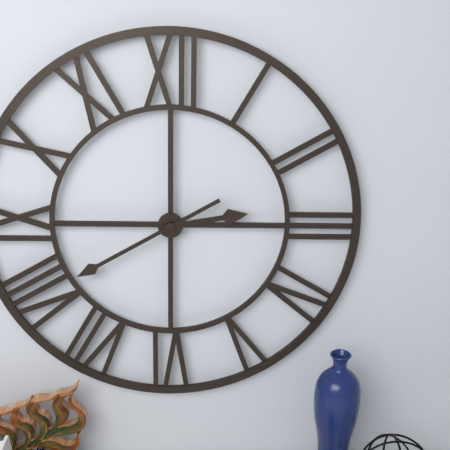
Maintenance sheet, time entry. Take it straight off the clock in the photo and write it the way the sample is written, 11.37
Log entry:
2.40
